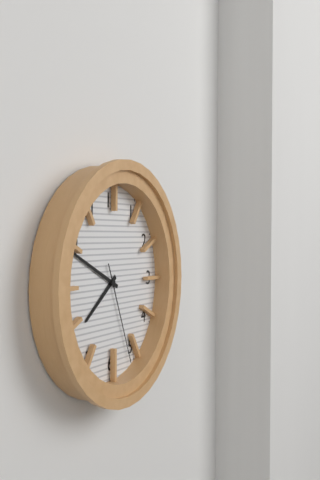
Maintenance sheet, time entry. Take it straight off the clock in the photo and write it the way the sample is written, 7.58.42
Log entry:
7.49.26
